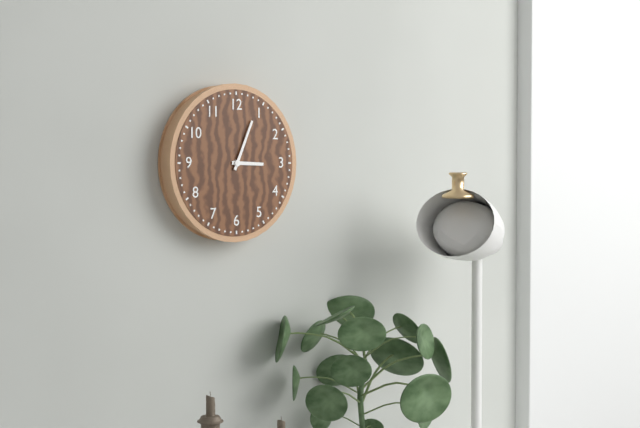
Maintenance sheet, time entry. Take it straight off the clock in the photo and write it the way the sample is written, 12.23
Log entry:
3.04
